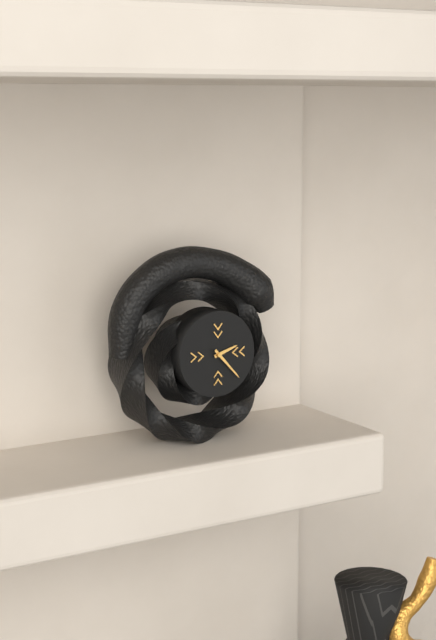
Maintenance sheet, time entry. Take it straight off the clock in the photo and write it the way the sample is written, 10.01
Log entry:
2.23
